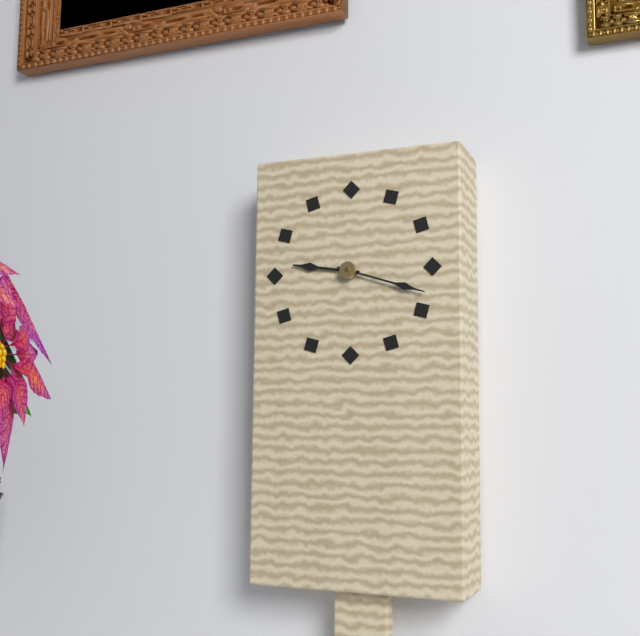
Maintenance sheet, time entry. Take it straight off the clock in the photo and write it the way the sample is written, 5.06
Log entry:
9.18
